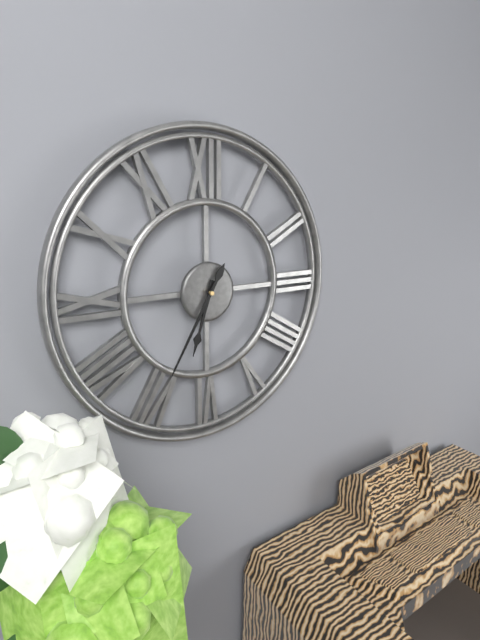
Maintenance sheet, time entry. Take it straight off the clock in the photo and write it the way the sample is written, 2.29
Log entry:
6.35
